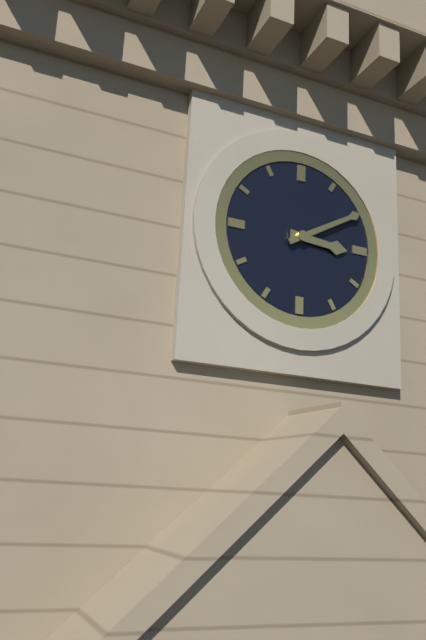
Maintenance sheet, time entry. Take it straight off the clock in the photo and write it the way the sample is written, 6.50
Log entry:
3.10
